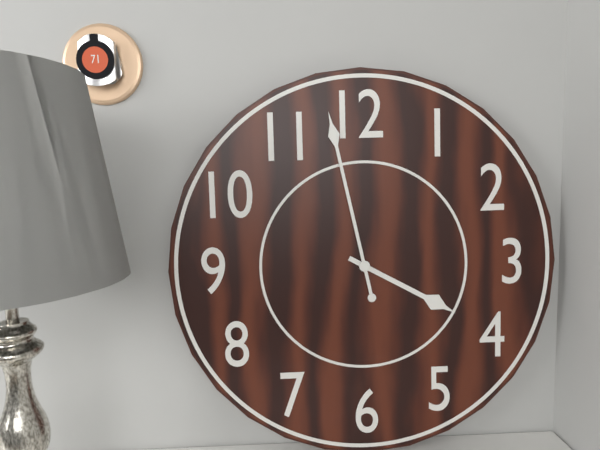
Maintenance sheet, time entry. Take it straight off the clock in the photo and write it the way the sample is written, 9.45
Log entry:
3.58
